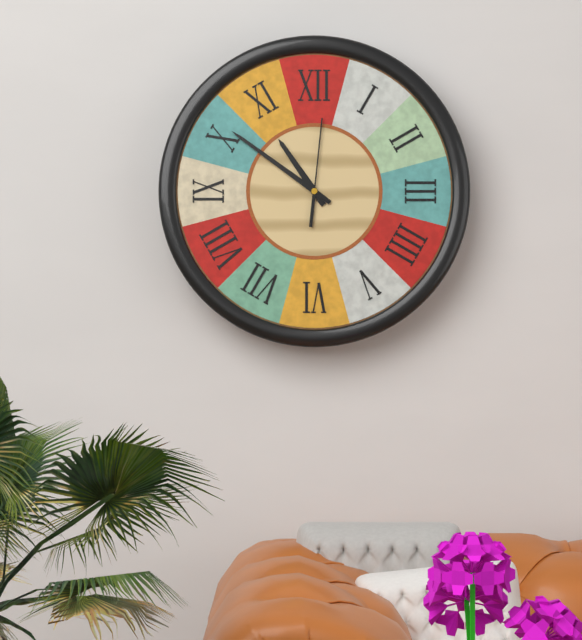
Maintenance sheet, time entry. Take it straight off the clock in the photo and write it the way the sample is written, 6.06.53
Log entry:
10.51.01
